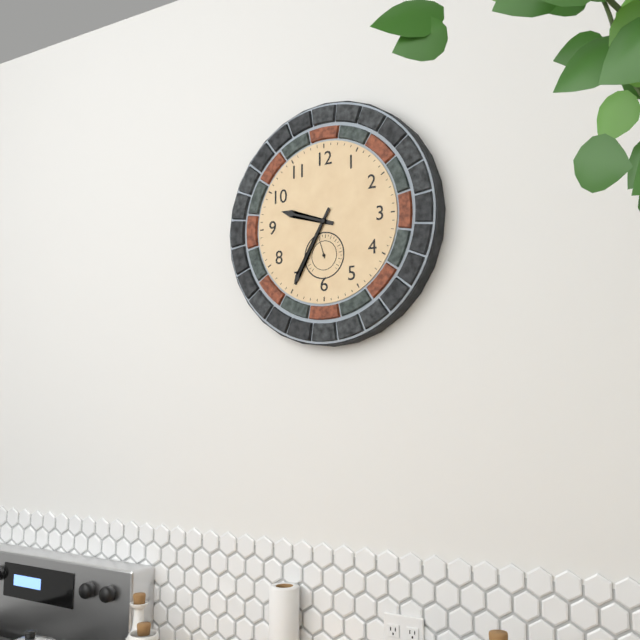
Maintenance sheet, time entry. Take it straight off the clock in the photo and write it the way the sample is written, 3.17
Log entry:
9.35
